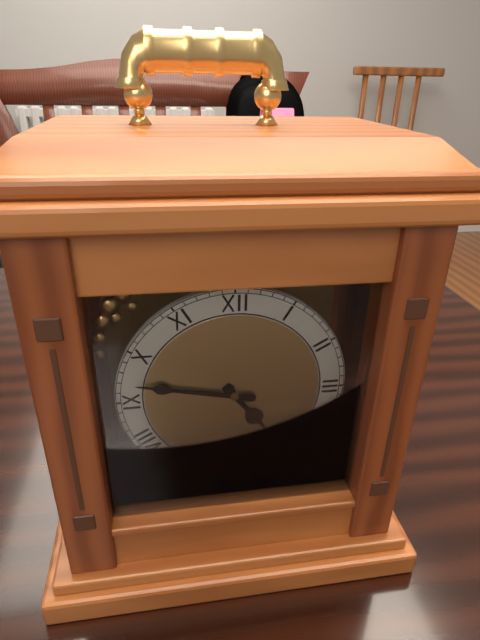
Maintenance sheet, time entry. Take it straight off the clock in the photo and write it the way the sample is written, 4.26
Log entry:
4.47
